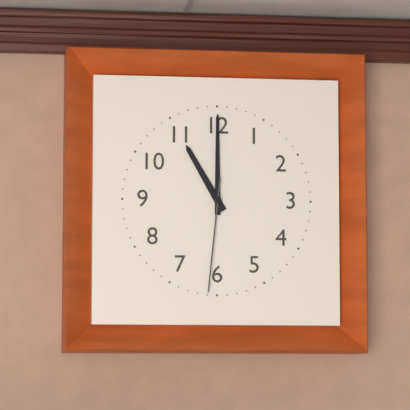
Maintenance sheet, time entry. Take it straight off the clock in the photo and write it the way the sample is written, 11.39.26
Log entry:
11.00.31
